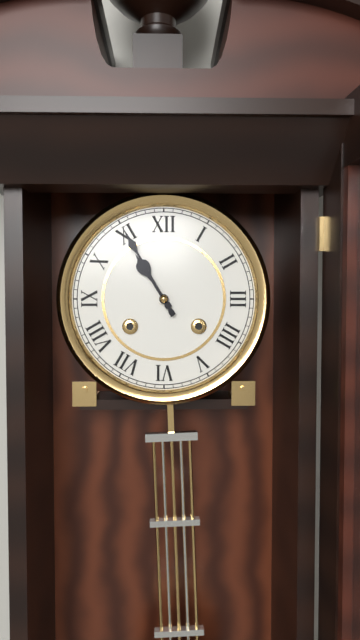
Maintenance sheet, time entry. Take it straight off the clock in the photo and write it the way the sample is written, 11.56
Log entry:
10.55
